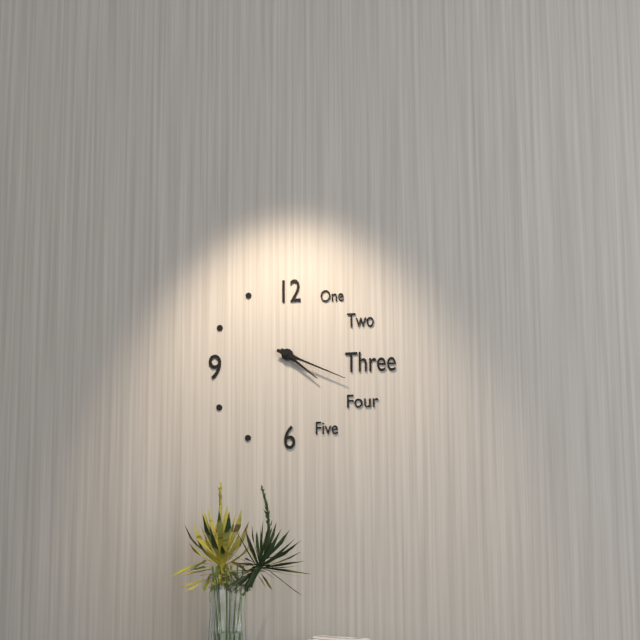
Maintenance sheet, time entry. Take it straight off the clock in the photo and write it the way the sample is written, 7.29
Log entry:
4.19
